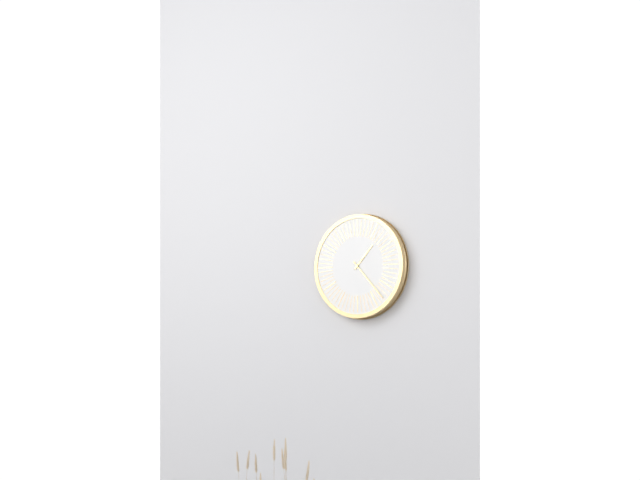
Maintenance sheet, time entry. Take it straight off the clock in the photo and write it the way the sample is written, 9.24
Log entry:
1.23
